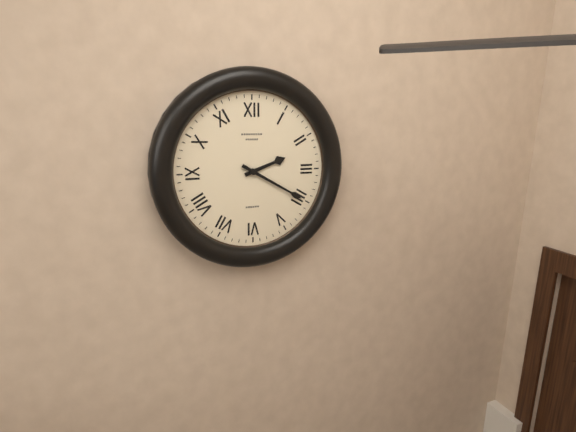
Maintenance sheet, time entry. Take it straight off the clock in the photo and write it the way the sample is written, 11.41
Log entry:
2.20
